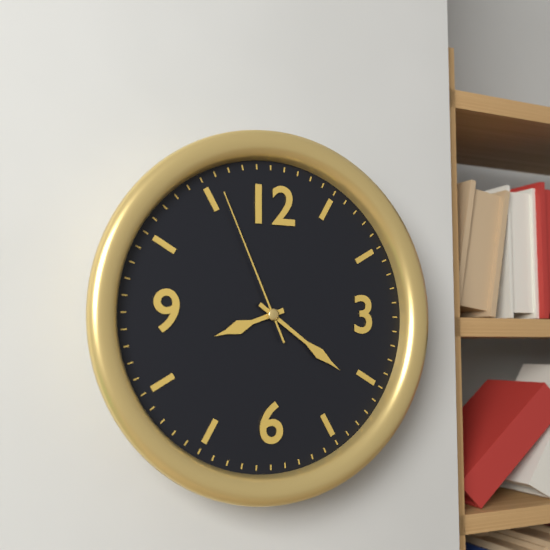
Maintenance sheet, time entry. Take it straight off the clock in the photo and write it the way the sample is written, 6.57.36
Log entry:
8.21.56
